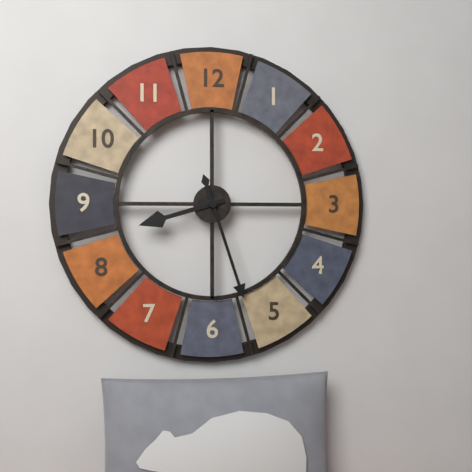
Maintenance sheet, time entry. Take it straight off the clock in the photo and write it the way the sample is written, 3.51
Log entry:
8.27
